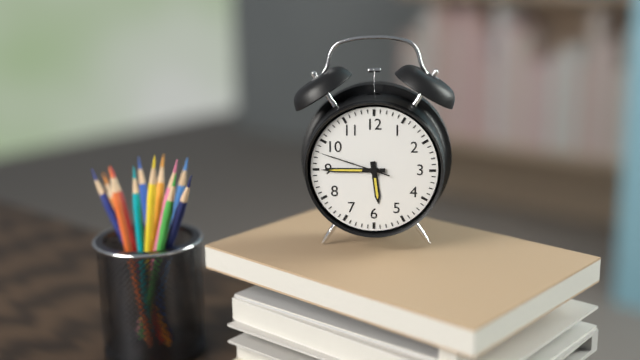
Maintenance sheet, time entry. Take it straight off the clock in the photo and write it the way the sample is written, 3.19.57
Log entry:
5.45.48
